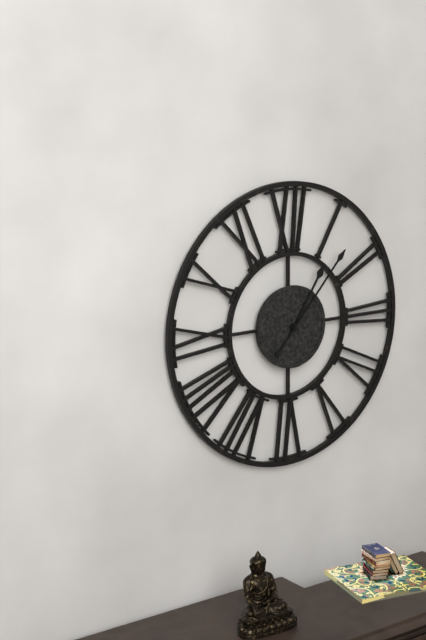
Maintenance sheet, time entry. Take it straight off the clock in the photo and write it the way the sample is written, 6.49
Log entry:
1.07
